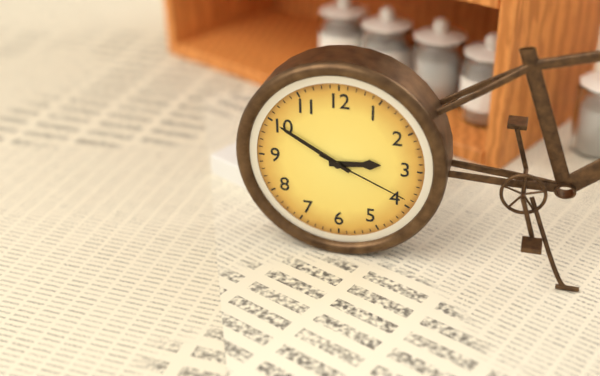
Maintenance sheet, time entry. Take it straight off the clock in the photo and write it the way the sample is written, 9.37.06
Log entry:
2.50.19
